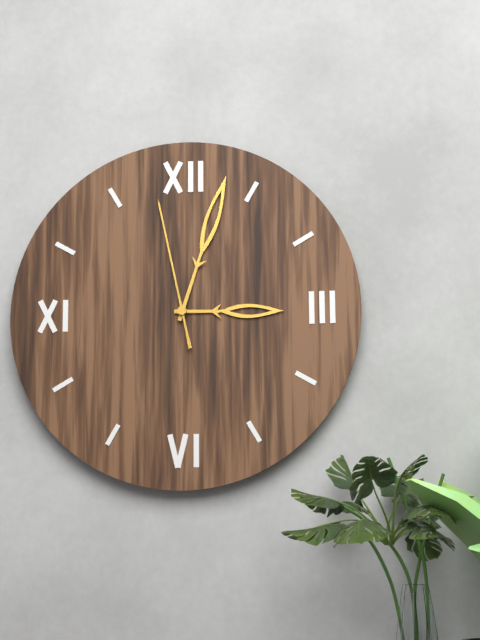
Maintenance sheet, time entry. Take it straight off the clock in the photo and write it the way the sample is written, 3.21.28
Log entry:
3.03.58
